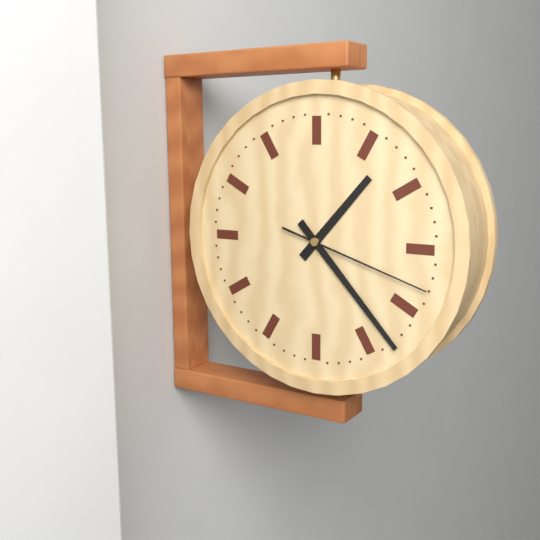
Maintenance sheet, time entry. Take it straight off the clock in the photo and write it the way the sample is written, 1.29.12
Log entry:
1.23.18
